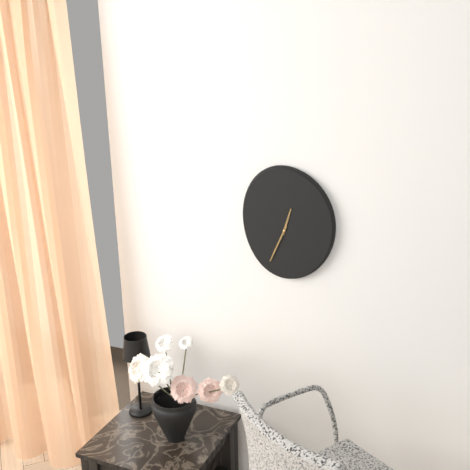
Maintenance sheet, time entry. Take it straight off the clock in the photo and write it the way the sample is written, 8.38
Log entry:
12.34
